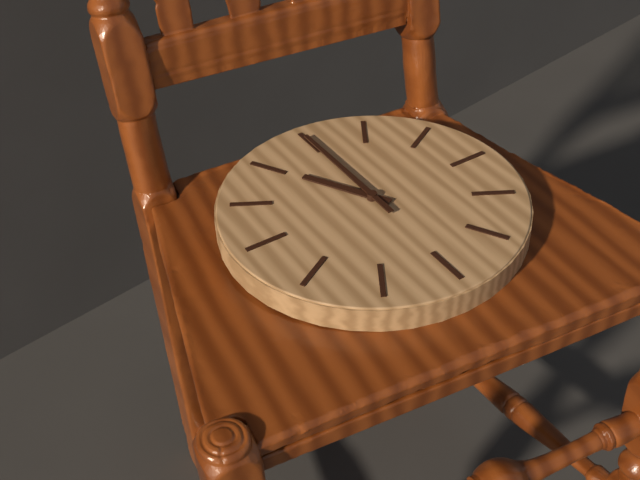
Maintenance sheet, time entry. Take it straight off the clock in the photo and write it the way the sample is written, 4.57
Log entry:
11.00
